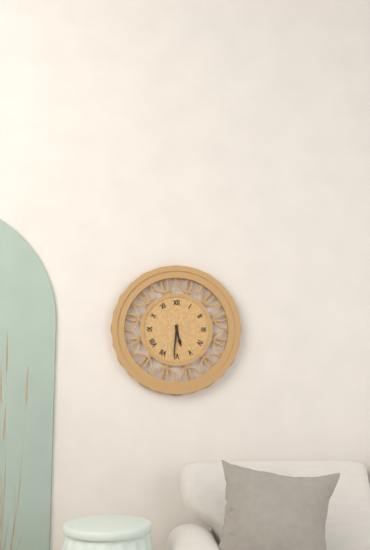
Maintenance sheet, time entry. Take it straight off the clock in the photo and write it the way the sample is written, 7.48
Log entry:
5.31
